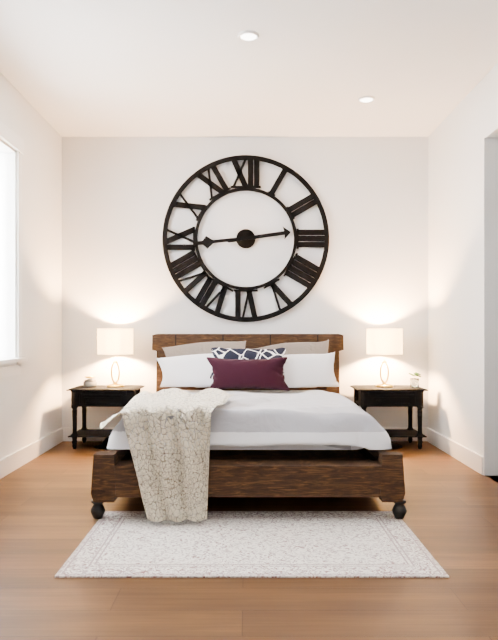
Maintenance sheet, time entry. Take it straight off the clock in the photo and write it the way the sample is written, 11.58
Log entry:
2.44
